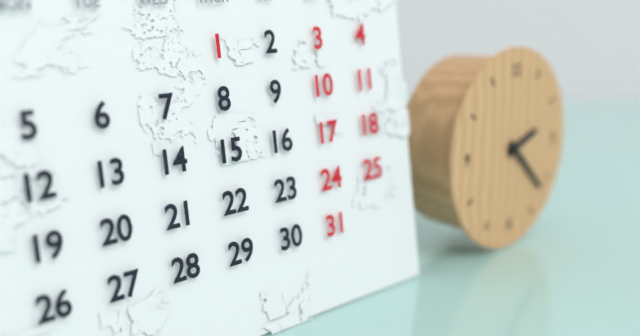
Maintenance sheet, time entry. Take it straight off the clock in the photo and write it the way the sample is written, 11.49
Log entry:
2.22
